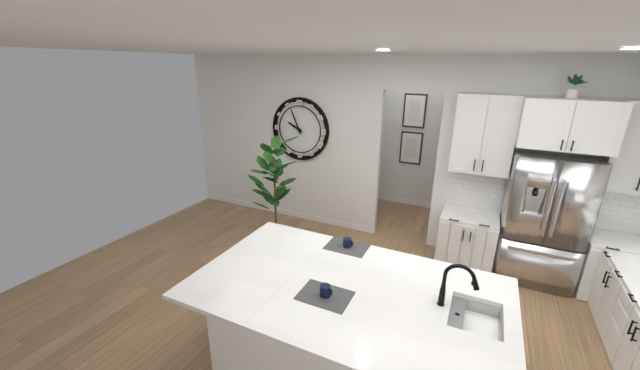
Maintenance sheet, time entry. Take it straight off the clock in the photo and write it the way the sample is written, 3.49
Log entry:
9.56
